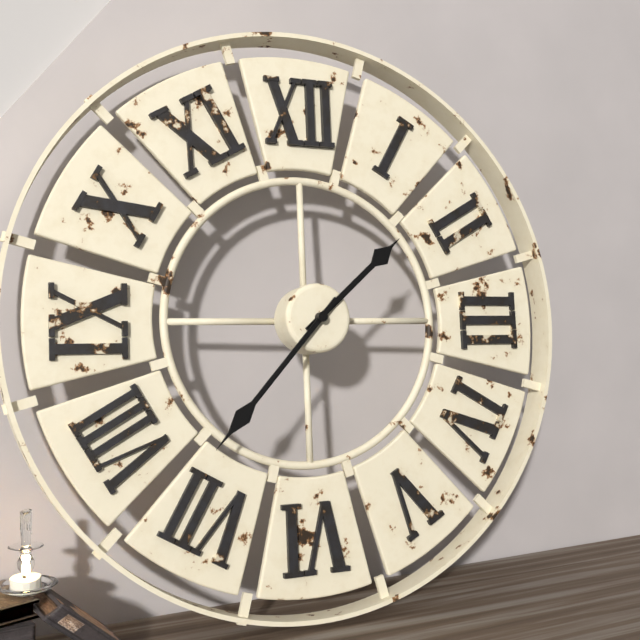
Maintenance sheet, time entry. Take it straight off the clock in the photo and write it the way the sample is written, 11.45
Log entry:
1.37
